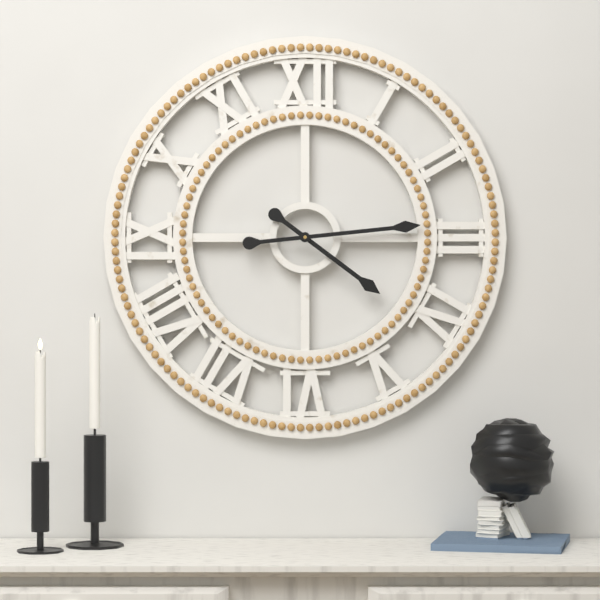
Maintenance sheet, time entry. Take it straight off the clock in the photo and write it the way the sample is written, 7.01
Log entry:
4.14
